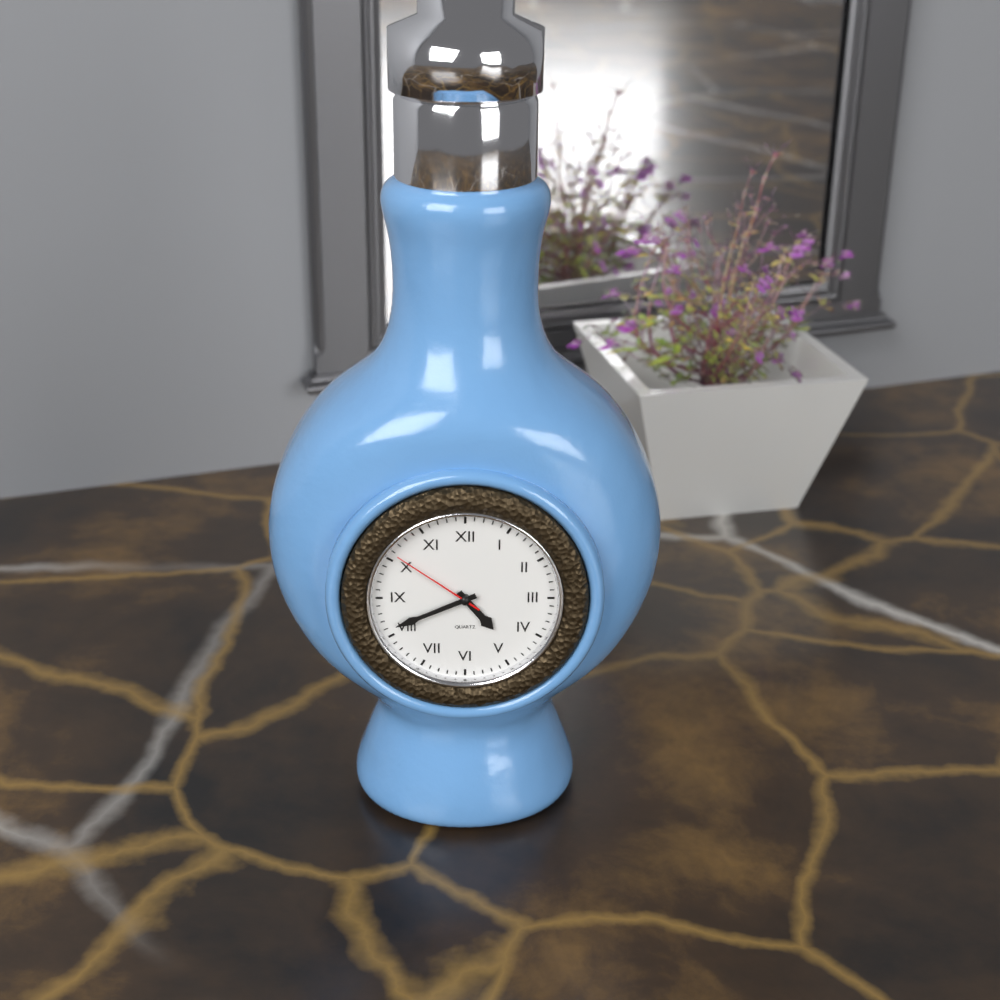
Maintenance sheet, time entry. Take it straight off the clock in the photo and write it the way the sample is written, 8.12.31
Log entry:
4.41.51
